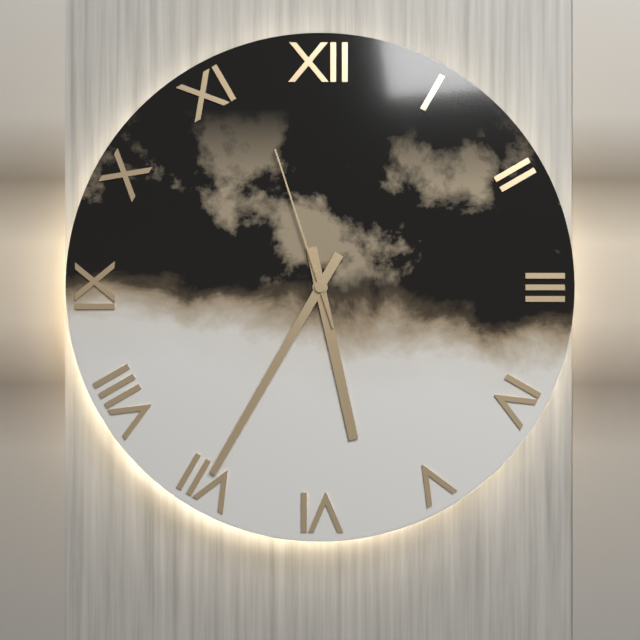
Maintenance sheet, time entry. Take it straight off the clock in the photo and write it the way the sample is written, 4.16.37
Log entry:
5.35.57
